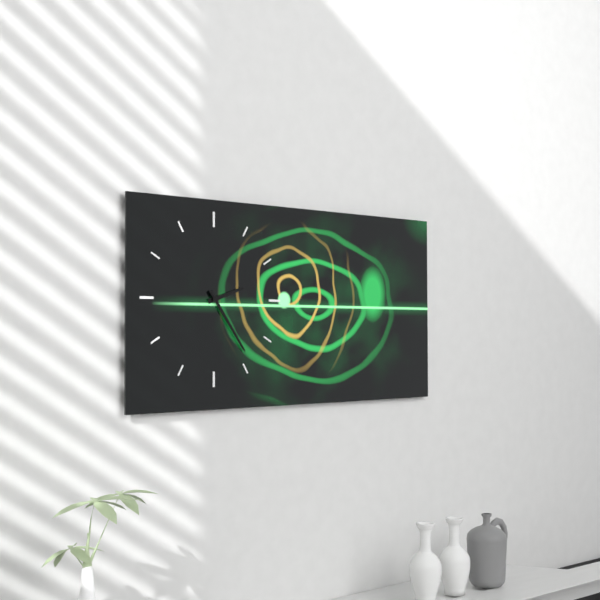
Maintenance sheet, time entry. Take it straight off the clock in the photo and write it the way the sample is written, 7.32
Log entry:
2.24
